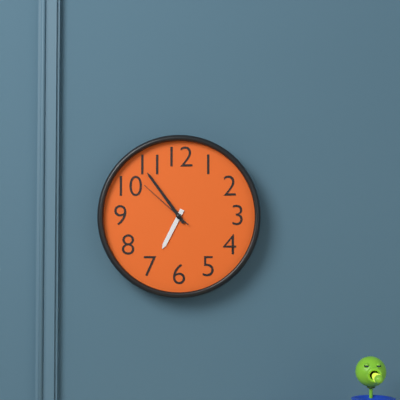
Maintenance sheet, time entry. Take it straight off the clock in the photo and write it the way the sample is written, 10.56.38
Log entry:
6.54.52
